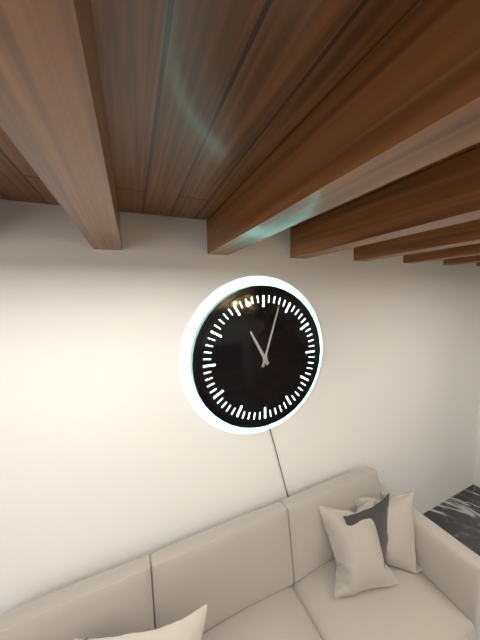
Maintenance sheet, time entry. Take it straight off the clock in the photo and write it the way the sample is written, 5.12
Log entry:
11.03
